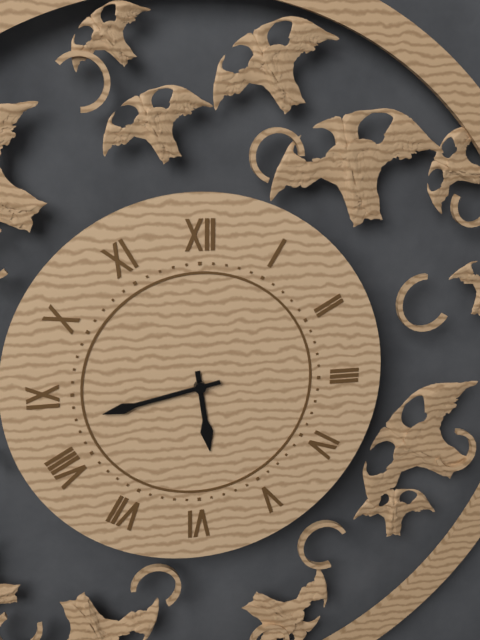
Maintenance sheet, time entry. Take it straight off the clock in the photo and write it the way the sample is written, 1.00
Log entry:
5.43
